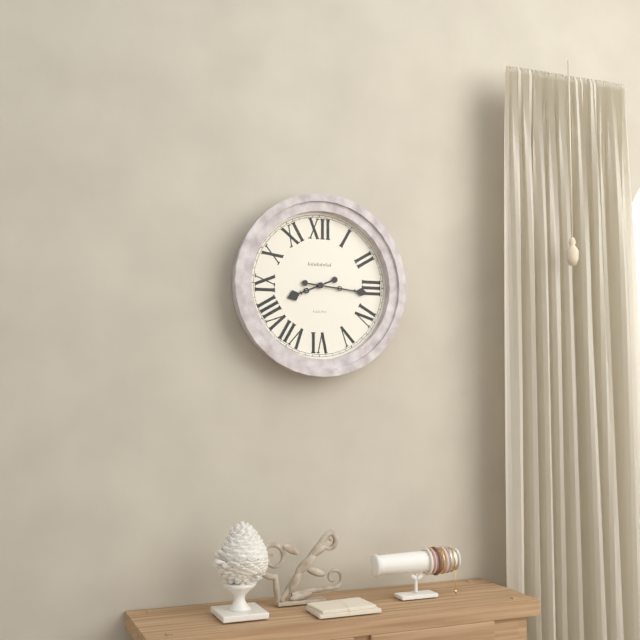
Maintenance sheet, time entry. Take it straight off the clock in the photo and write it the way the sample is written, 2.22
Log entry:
8.16
